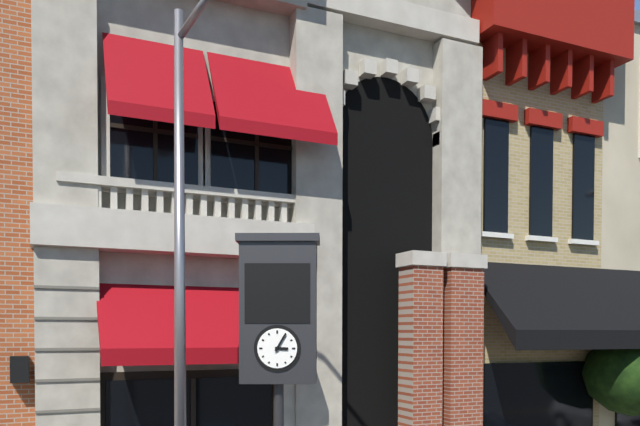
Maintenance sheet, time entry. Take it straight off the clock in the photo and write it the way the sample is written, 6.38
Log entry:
3.05
